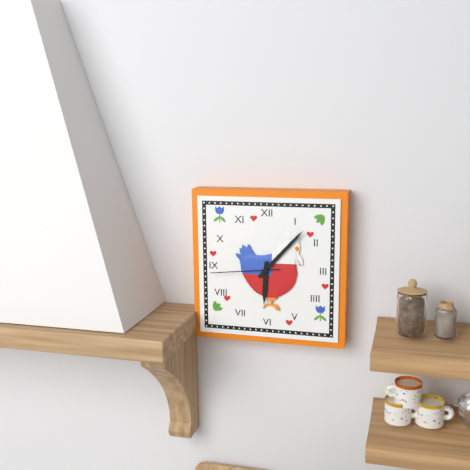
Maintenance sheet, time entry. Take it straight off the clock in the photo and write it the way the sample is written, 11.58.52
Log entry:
6.07.44
